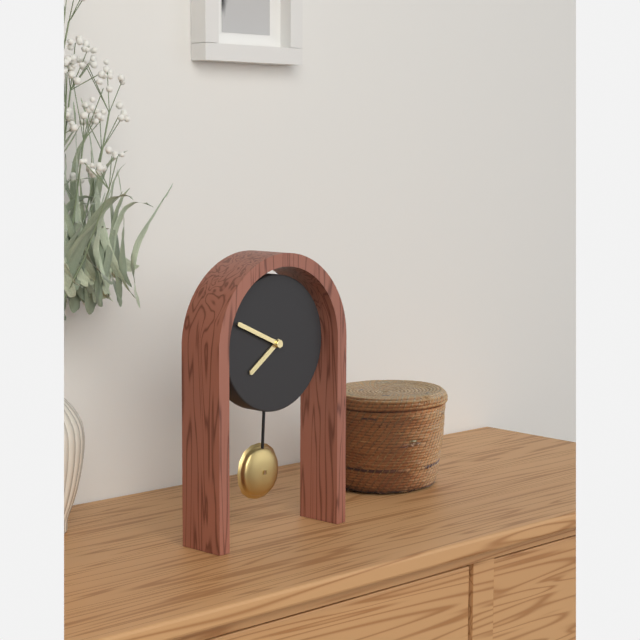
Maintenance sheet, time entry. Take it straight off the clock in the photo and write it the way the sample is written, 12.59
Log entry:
7.49
